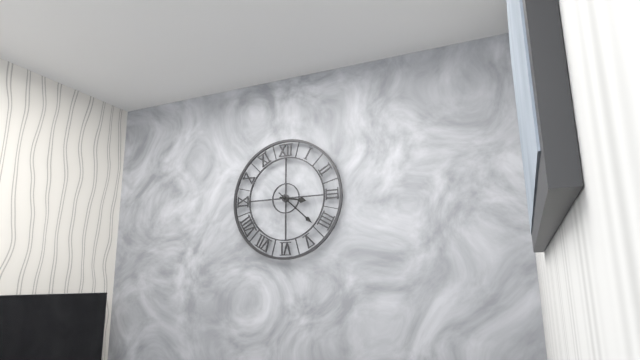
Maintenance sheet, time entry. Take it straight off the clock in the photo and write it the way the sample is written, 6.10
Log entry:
3.22
